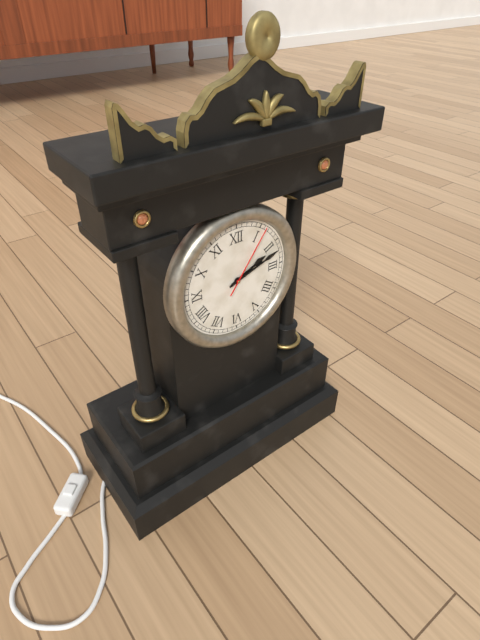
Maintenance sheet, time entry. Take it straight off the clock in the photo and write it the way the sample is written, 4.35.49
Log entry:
2.12.06
